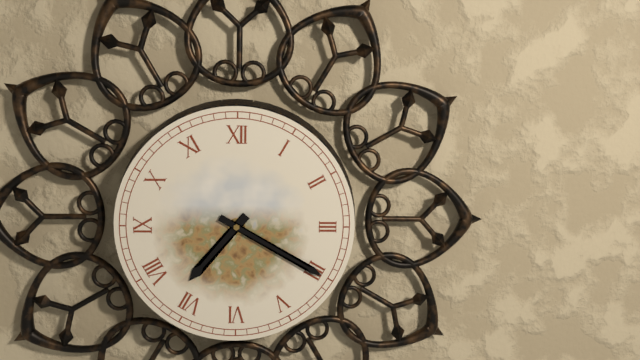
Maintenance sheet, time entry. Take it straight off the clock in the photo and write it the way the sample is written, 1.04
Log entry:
7.20
